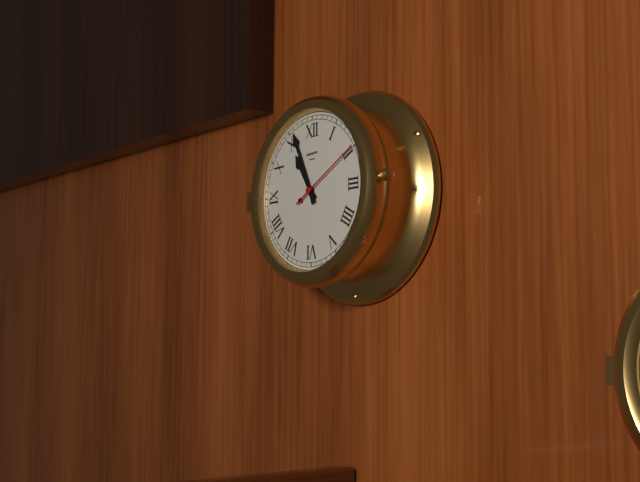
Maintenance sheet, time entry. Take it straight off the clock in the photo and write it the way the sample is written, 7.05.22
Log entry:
10.56.10
